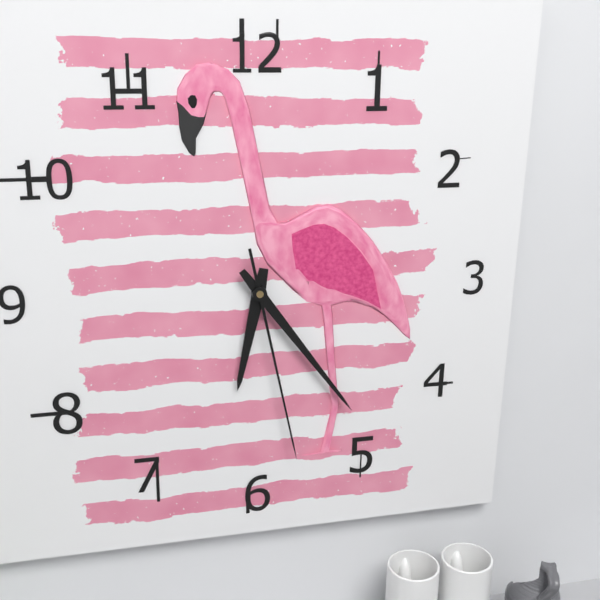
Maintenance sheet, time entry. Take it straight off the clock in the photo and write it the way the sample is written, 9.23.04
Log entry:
6.24.28
